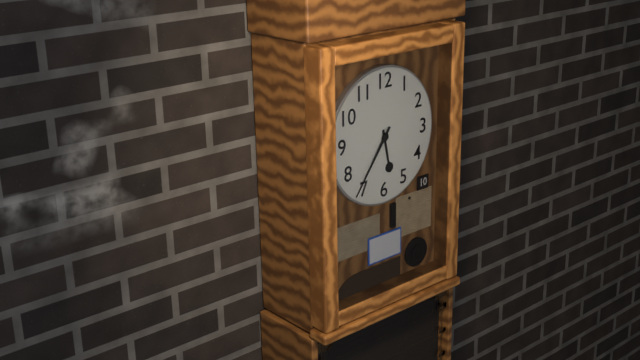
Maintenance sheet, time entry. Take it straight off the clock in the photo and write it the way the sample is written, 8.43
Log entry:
5.36
